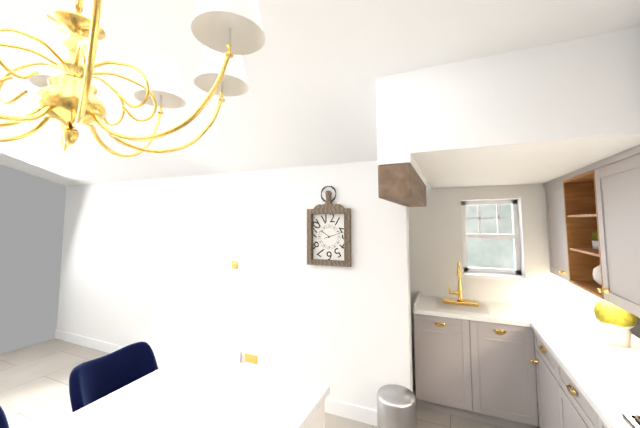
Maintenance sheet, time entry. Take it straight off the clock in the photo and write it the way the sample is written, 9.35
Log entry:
10.12
